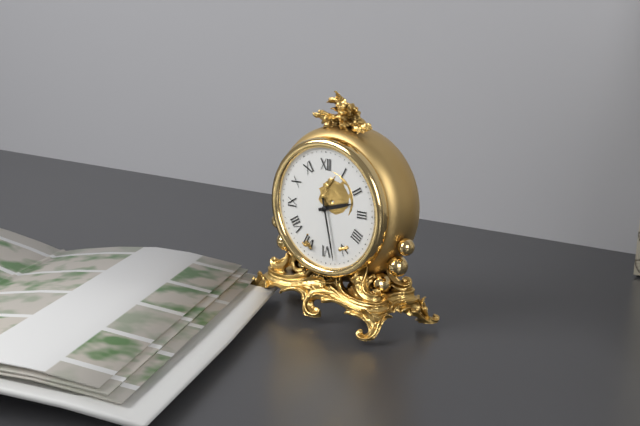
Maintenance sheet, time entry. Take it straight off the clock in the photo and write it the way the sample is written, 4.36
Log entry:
2.28
